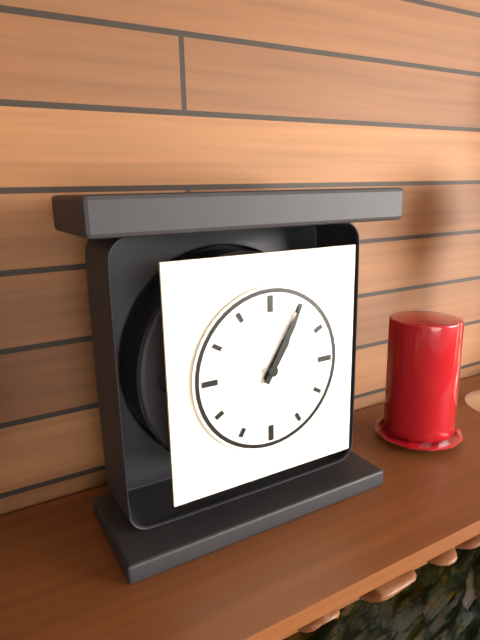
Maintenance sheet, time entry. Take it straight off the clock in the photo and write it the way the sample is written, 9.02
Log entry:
1.05
